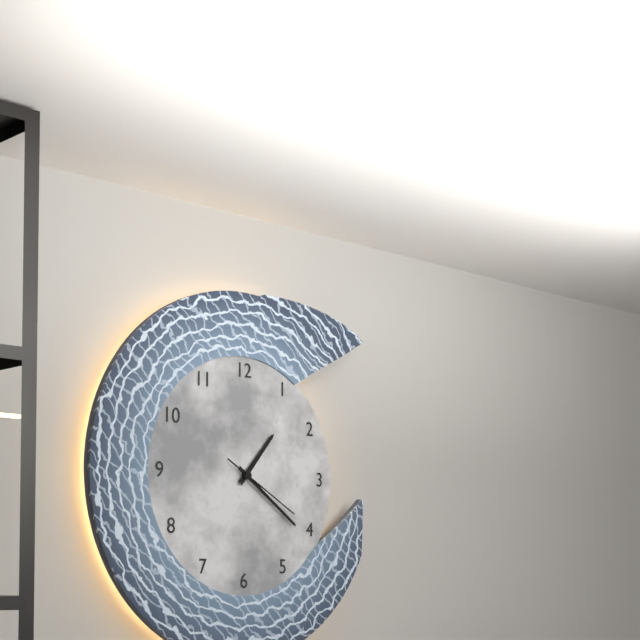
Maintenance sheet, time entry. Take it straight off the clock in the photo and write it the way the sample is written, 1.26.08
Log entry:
1.21.20
